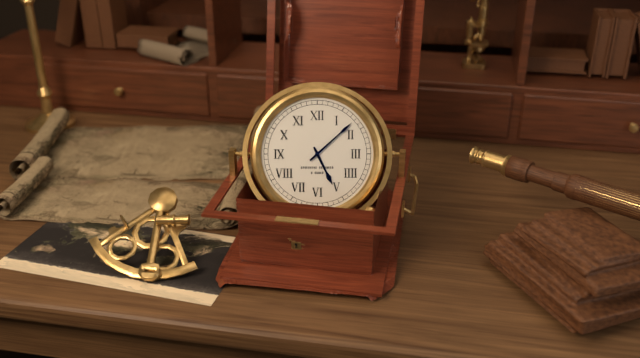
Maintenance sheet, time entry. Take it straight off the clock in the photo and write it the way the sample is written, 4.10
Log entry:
5.08
